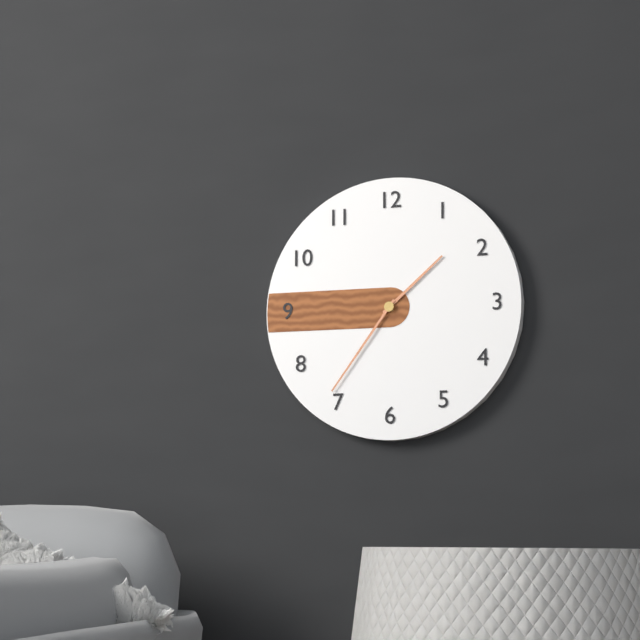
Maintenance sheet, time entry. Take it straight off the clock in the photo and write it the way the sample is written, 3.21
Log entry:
1.36
